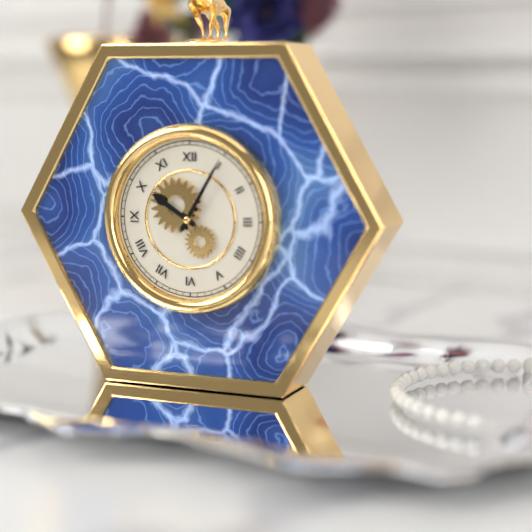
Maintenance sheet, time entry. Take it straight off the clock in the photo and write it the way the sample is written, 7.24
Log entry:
10.05
